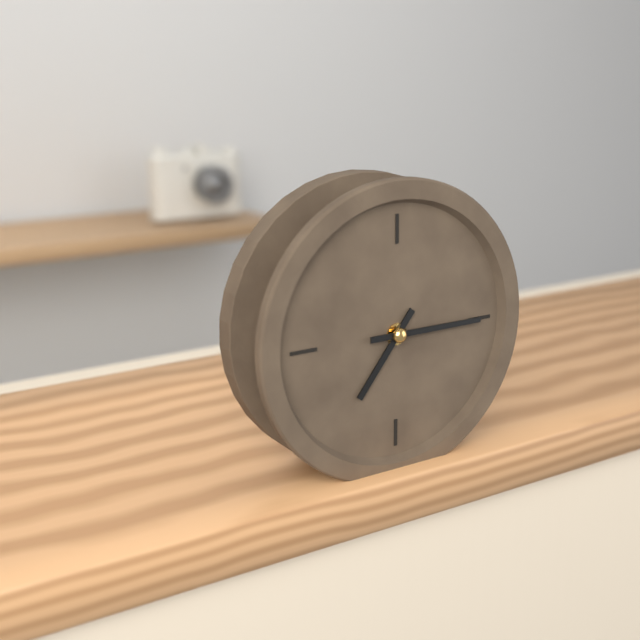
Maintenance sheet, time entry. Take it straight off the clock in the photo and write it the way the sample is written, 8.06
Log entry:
7.15
